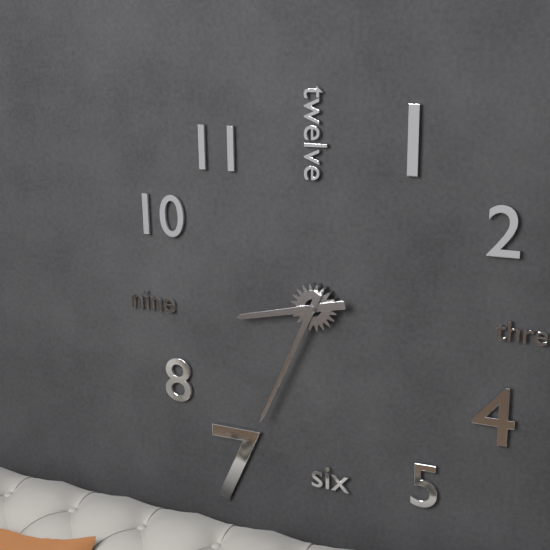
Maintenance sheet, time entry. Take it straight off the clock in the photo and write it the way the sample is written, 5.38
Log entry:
8.34
